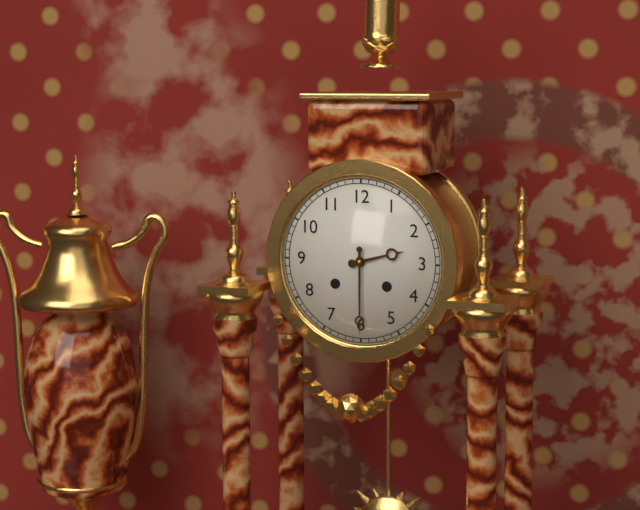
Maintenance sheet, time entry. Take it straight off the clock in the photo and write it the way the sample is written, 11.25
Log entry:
2.30
